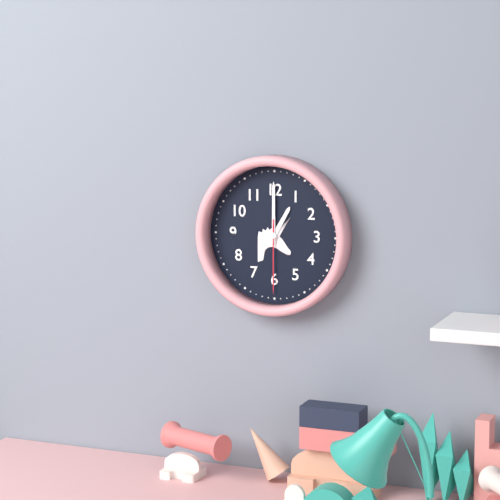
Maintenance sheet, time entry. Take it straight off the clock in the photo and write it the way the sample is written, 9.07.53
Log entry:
1.00.30
